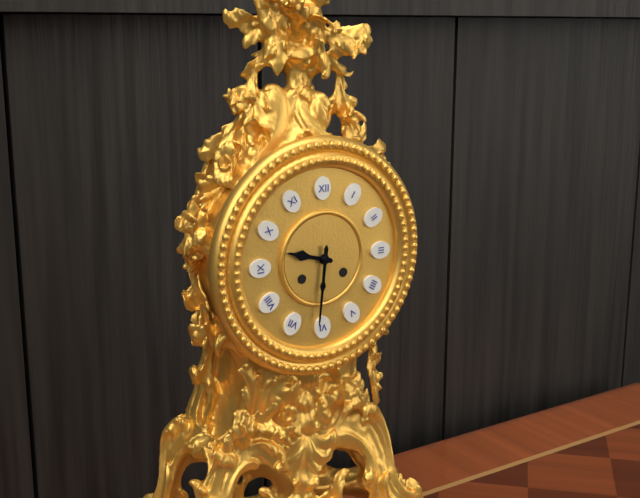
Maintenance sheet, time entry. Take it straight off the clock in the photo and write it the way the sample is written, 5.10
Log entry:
9.31
